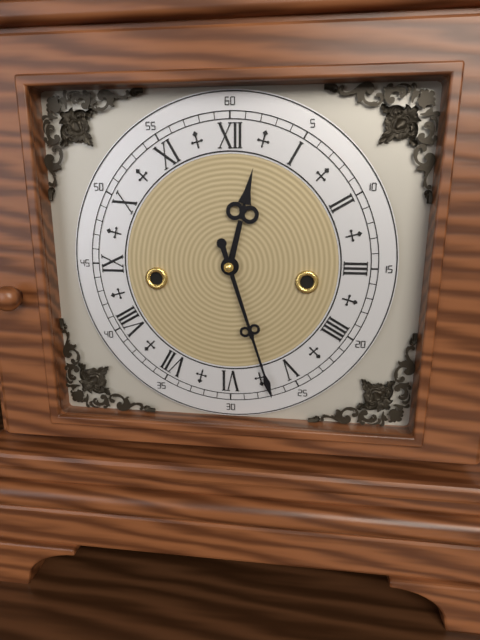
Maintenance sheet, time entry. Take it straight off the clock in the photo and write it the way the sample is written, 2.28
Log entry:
12.27
